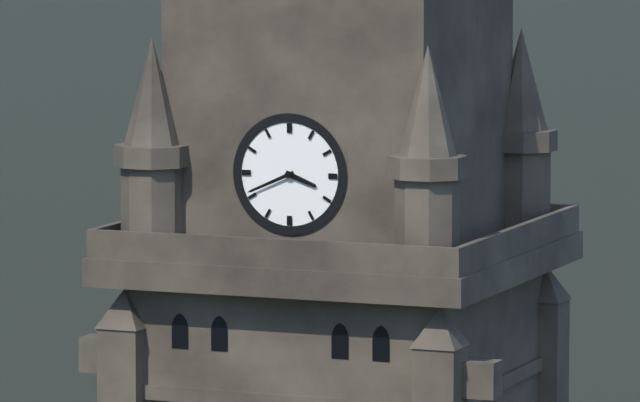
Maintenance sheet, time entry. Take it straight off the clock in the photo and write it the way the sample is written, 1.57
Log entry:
3.41
